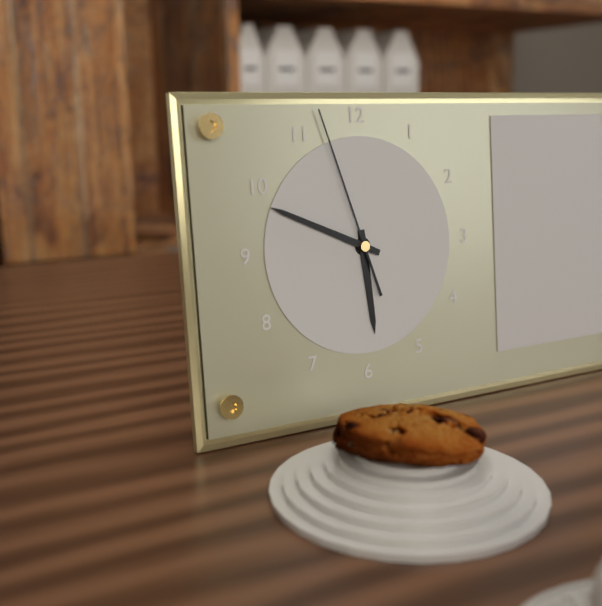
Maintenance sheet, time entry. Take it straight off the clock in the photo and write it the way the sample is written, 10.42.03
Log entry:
5.49.57
